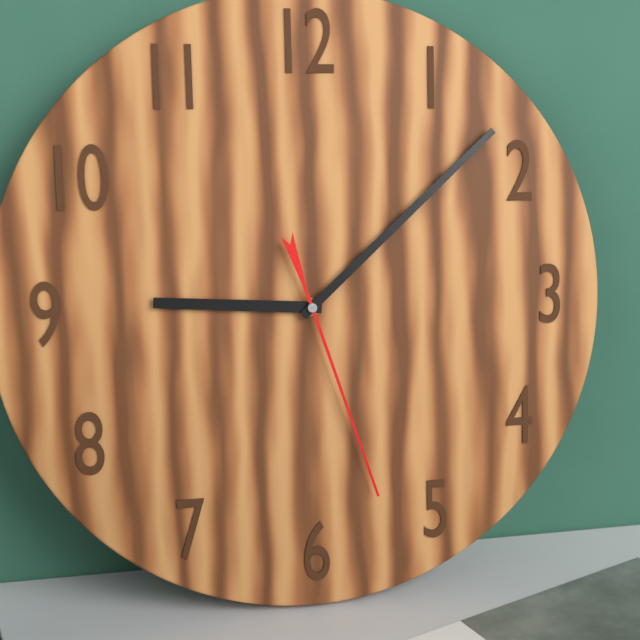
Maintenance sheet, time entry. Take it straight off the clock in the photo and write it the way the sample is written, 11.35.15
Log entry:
9.08.27
